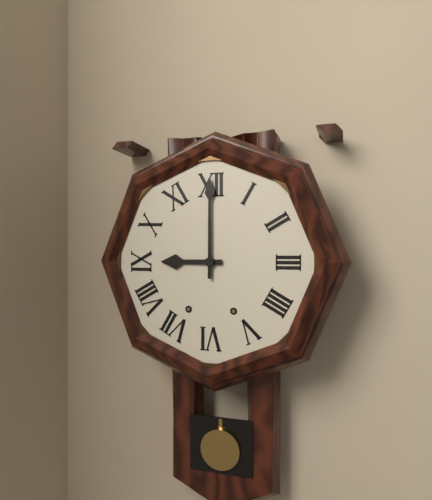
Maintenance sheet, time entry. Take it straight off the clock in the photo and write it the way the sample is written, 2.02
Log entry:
9.00
